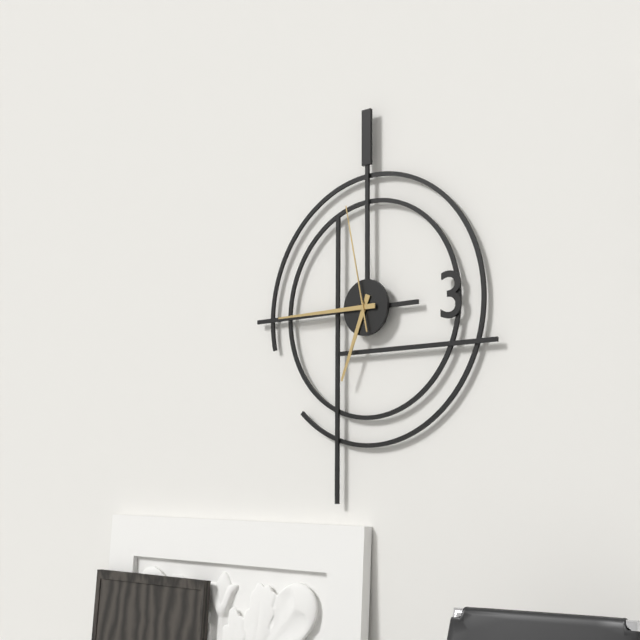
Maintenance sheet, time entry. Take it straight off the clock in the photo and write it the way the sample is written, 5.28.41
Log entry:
6.45.58
